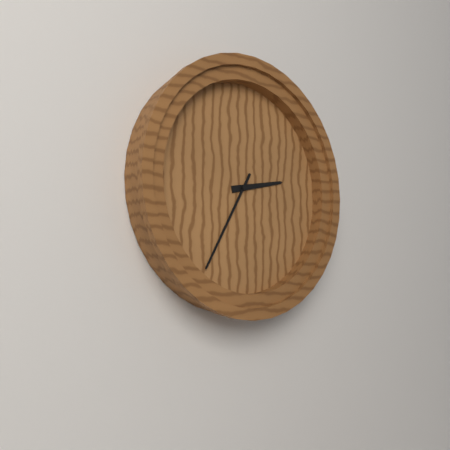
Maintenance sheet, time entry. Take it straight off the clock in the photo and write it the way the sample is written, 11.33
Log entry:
2.35
